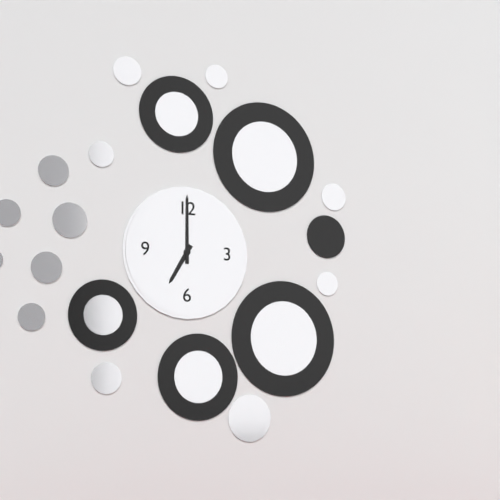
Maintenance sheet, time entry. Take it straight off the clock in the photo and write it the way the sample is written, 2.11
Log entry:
7.00
